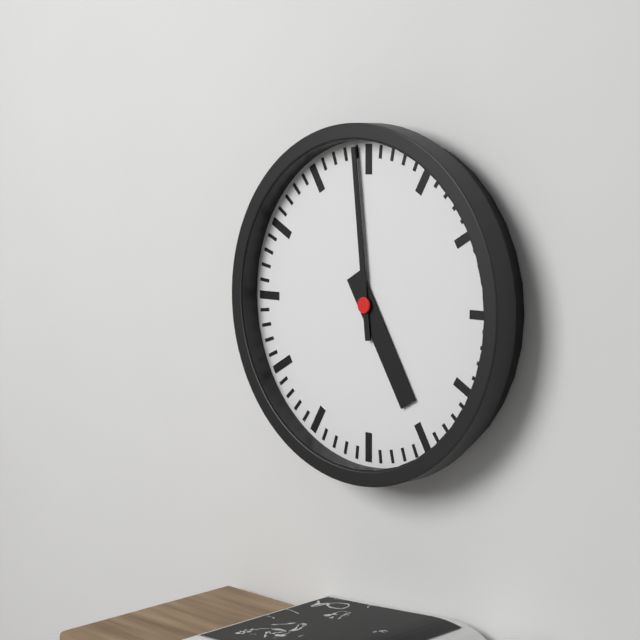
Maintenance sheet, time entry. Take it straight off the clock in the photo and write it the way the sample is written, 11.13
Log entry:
4.59
